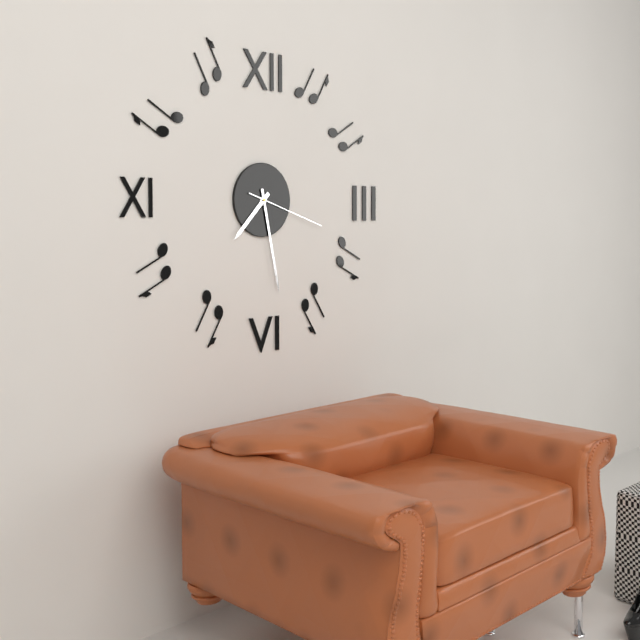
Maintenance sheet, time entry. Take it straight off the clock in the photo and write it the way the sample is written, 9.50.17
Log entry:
7.28.18
